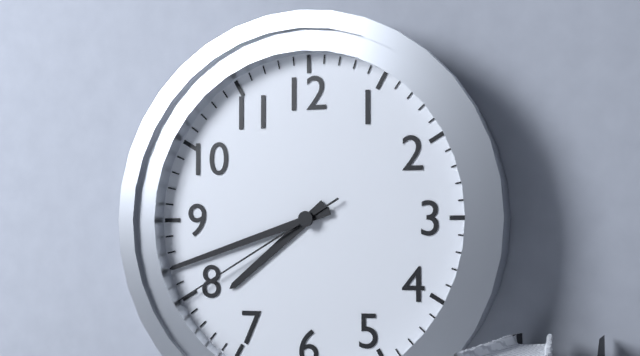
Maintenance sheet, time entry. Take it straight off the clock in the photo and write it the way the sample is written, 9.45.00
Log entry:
7.42.40
